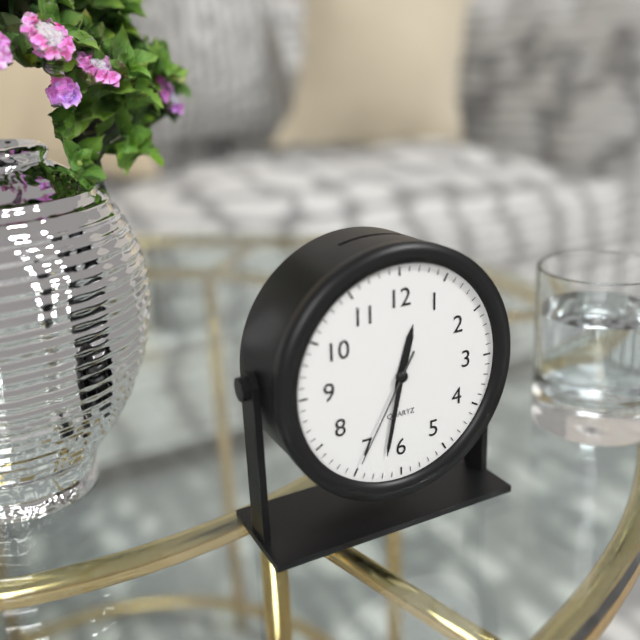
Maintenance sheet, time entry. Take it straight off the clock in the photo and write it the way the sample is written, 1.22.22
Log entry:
12.32.35
